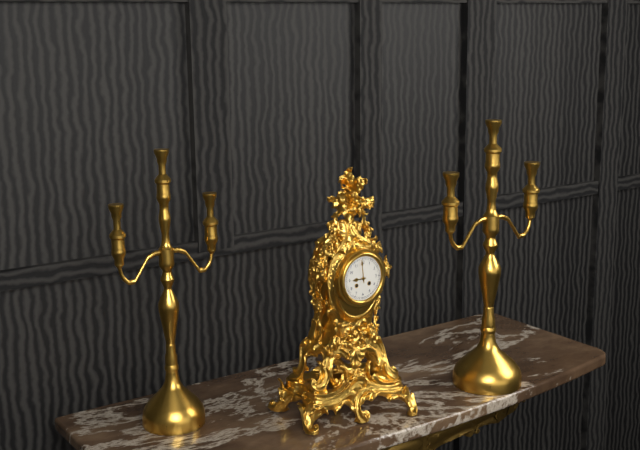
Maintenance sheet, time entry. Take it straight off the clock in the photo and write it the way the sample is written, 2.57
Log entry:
8.59
